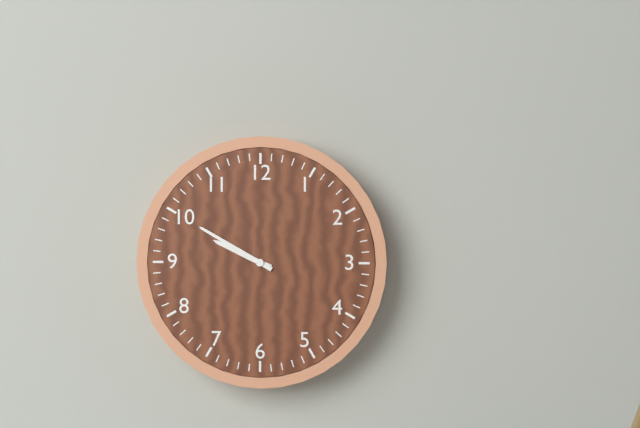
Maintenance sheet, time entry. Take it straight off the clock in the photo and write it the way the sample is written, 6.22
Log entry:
9.50
